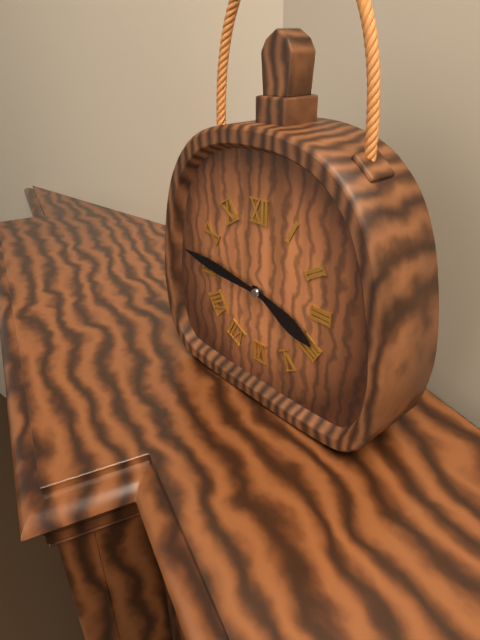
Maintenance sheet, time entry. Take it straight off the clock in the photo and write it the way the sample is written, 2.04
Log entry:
3.46
